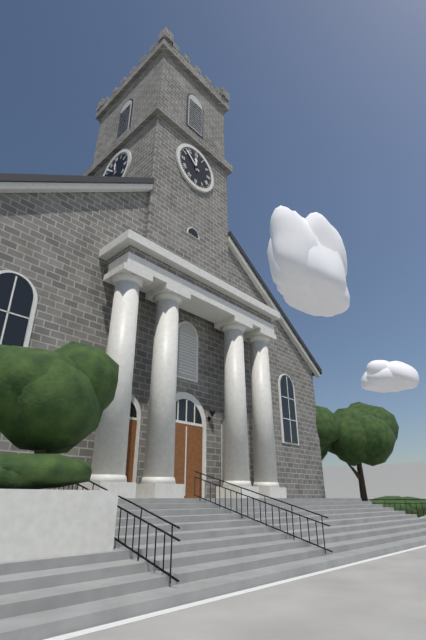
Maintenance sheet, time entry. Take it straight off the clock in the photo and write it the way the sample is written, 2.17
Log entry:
11.52
